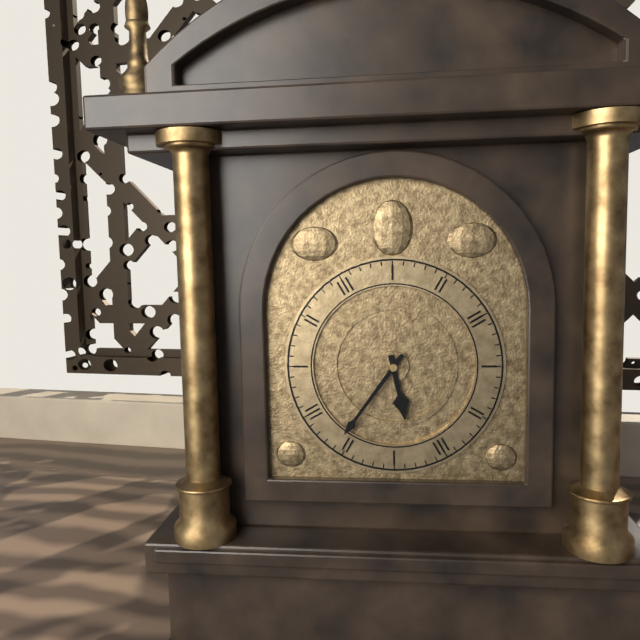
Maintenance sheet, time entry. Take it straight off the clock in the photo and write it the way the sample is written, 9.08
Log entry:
5.36
